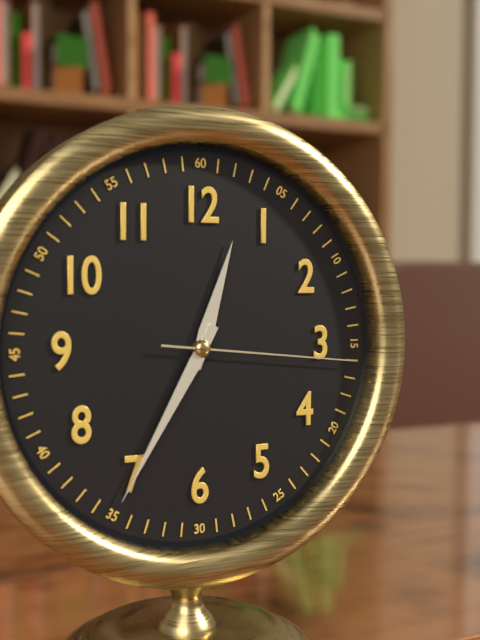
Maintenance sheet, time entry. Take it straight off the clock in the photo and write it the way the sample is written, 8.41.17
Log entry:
12.35.16
